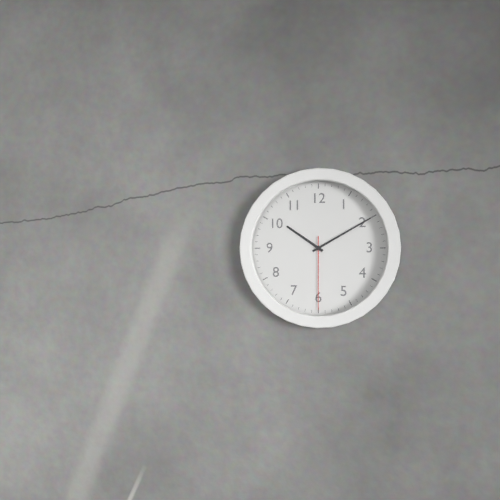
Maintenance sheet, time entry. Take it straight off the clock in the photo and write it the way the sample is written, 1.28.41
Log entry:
10.10.30
